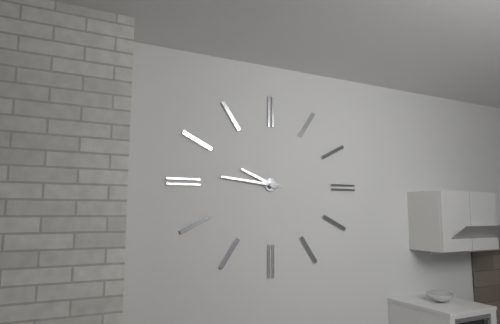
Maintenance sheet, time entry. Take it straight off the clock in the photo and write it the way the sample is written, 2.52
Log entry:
9.46
